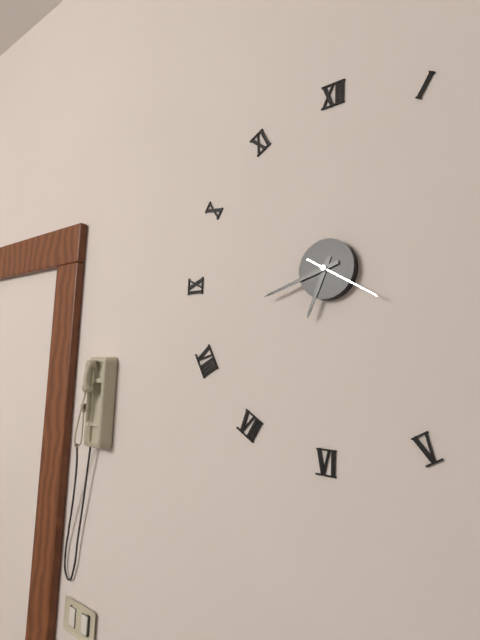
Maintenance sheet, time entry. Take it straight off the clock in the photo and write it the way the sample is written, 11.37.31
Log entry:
6.42.20
